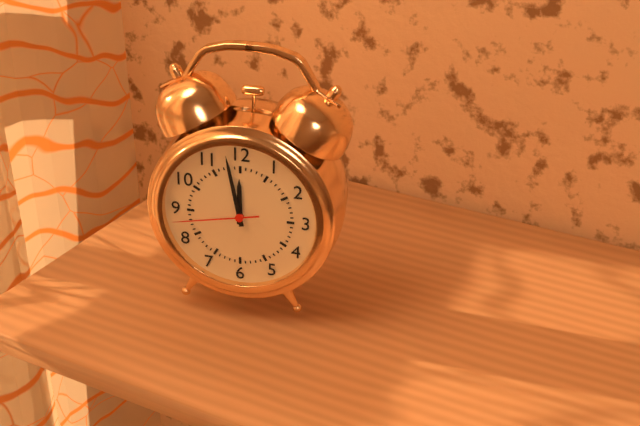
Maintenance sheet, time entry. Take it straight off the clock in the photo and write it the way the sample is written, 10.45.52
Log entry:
11.58.43
